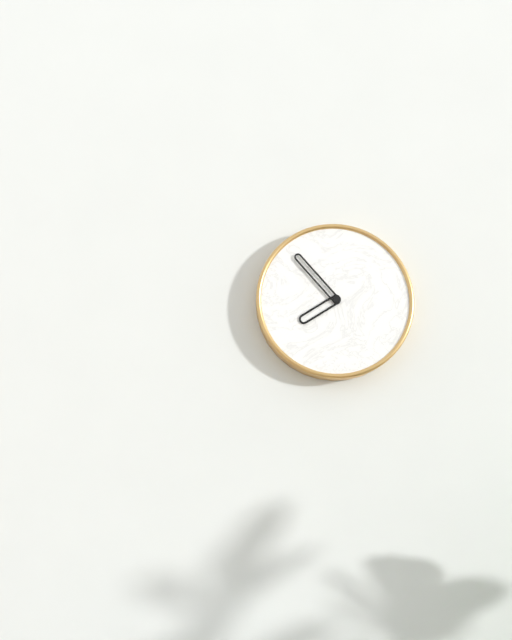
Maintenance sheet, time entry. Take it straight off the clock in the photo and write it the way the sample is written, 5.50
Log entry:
7.53
